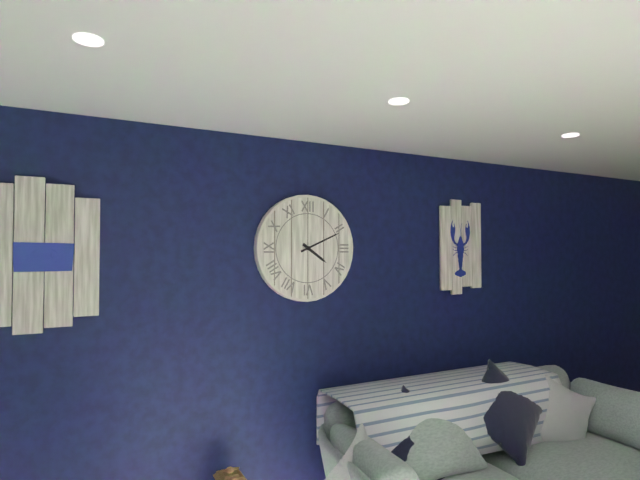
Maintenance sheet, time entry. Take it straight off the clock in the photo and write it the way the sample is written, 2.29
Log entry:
4.11
